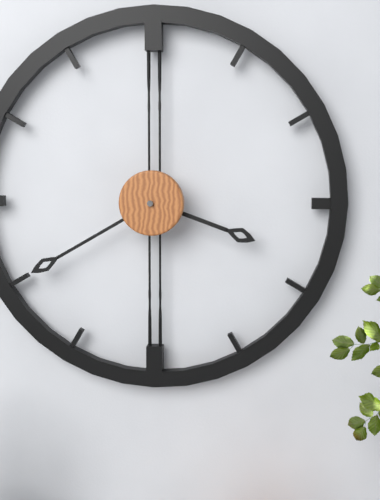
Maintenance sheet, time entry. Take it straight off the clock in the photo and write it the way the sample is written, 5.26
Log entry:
3.40
